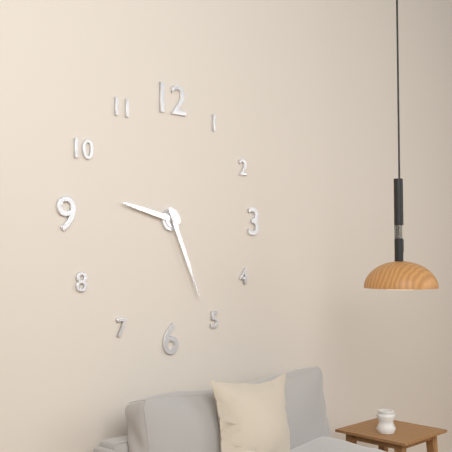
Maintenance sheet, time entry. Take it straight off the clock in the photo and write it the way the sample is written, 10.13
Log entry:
9.26
